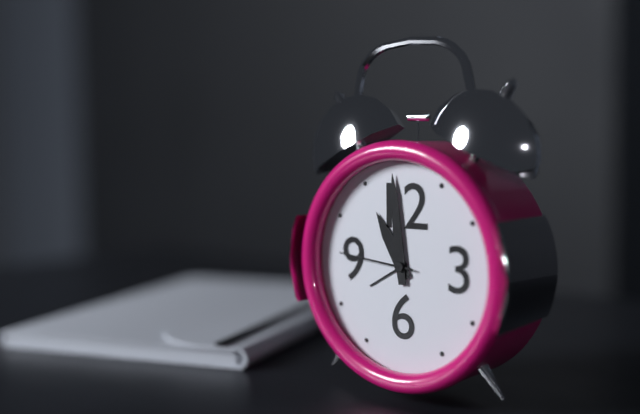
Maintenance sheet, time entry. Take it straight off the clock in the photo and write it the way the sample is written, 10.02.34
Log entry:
10.59.46
